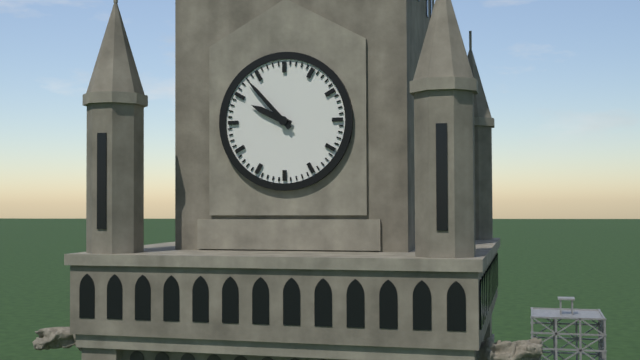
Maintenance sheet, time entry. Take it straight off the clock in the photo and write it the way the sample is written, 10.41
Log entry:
9.53
